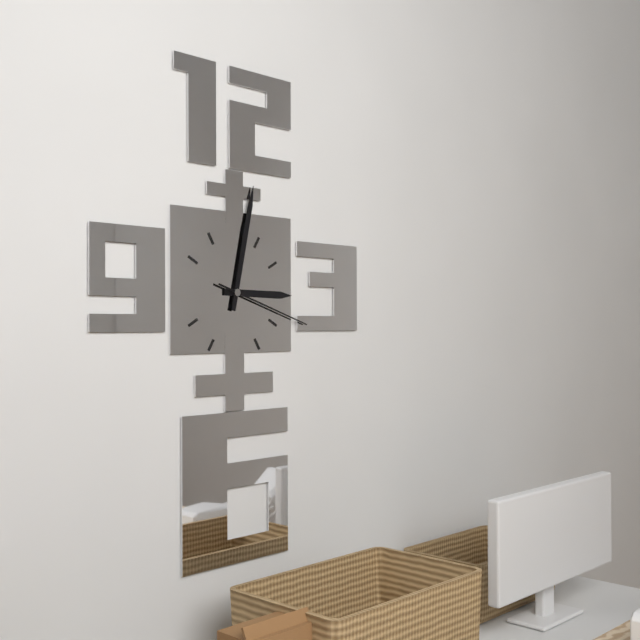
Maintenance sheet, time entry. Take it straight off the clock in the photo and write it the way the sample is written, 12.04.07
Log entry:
3.02.18
